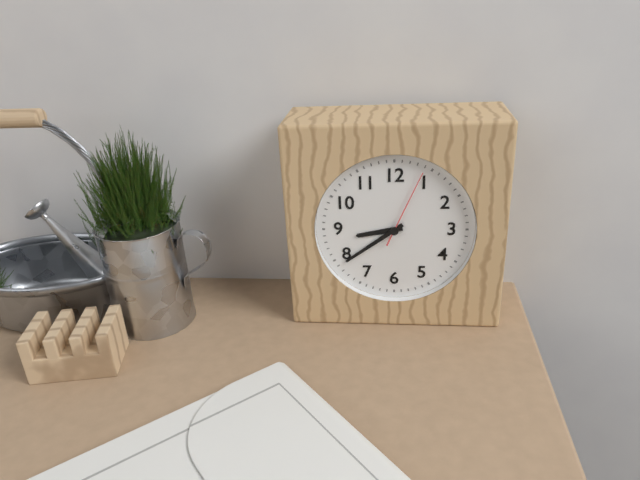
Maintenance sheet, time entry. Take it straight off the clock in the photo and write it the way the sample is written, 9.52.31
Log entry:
8.39.04
